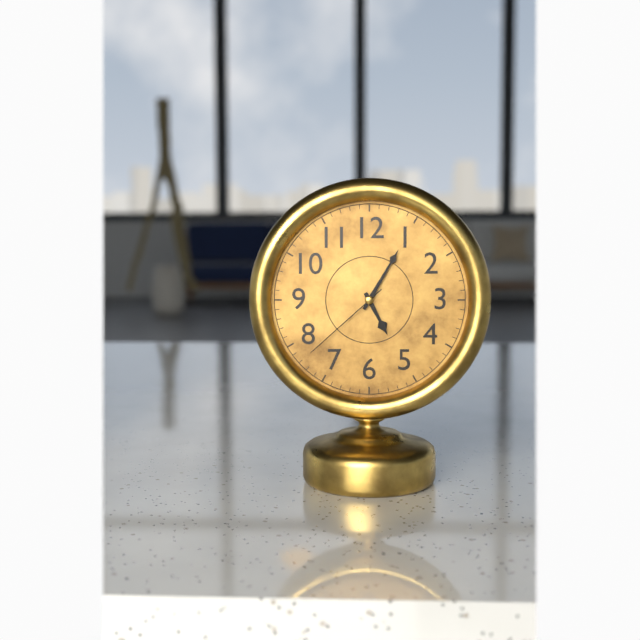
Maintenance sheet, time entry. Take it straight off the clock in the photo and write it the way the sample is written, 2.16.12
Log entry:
5.05.38
